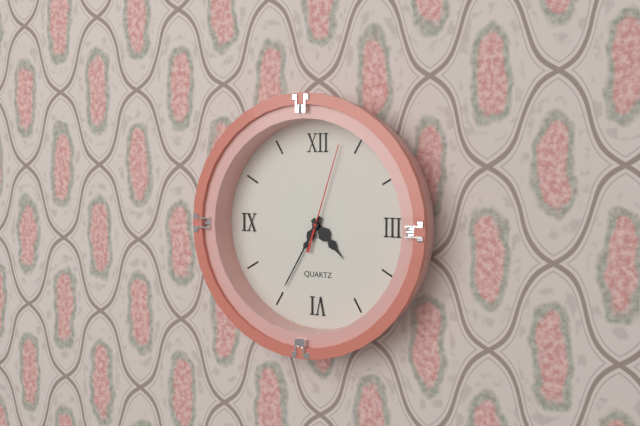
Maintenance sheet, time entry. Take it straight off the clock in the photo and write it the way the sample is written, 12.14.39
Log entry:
4.35.03
